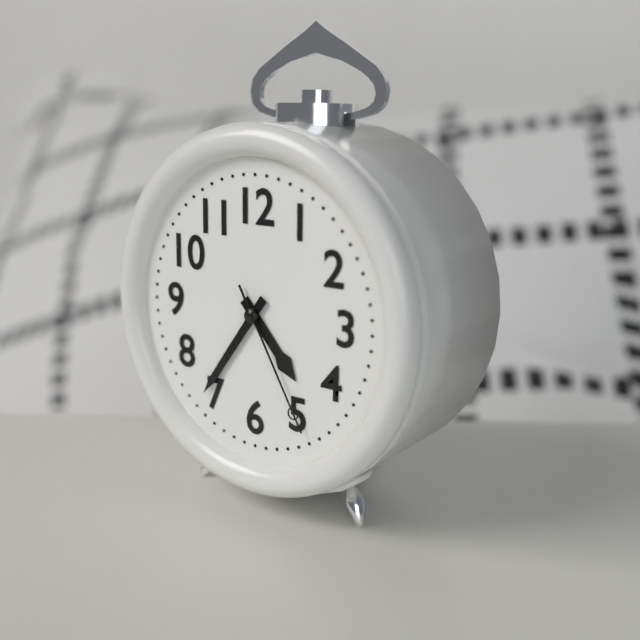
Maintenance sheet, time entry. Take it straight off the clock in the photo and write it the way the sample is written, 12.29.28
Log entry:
4.36.25
